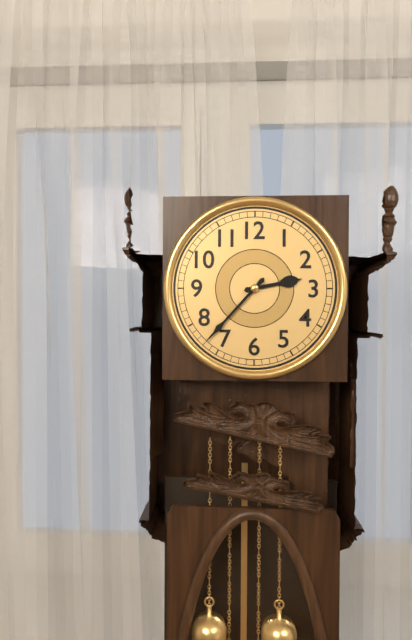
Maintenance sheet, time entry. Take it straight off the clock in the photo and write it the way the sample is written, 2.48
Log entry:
2.37
